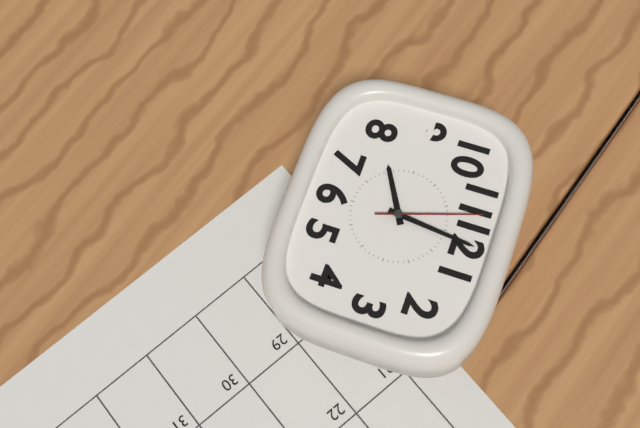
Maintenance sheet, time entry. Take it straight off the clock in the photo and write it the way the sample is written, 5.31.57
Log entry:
8.01.57
